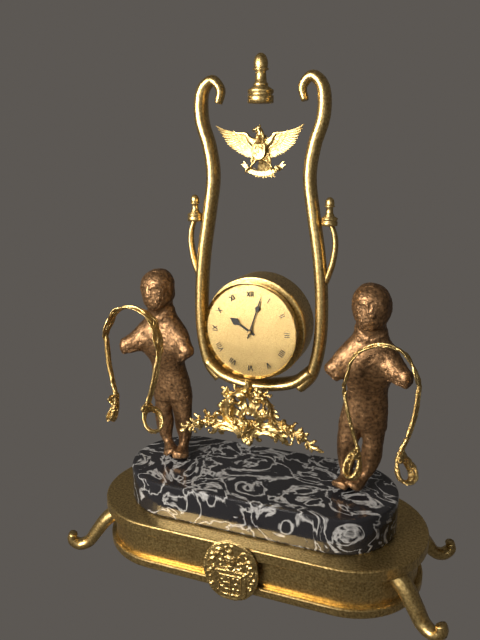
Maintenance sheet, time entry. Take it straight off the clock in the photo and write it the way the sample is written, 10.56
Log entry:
10.03
